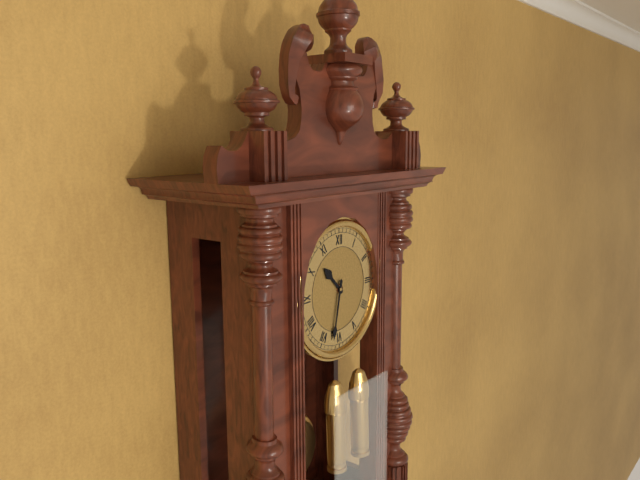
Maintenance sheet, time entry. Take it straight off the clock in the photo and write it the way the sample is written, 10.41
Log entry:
10.32
